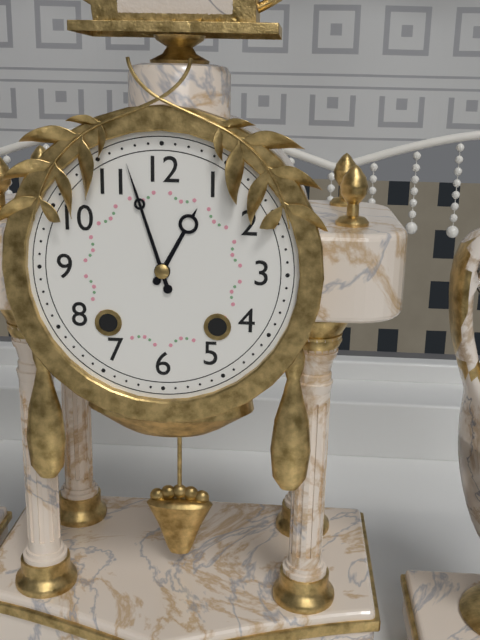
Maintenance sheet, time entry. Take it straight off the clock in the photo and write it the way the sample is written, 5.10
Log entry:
12.57
